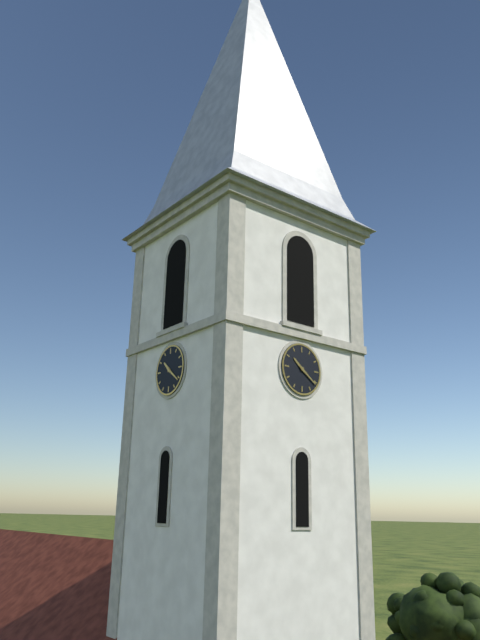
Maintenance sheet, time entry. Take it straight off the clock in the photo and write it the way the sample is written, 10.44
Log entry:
10.21
